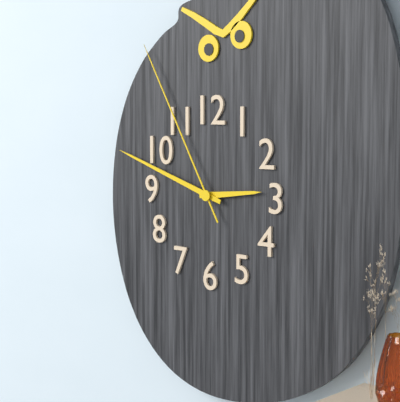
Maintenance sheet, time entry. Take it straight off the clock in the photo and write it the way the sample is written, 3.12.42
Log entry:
2.48.55
